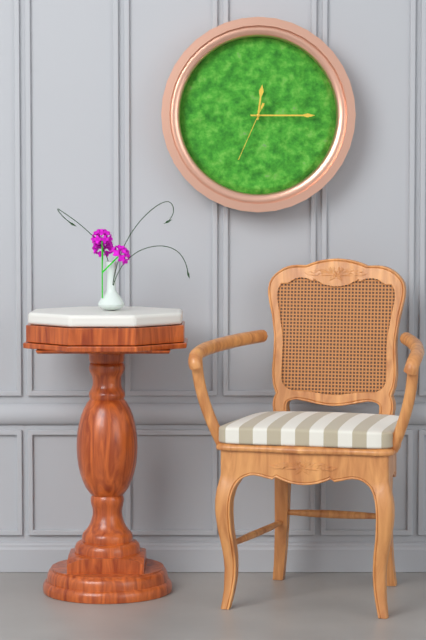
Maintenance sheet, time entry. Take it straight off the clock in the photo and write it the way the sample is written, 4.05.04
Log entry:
12.15.34
